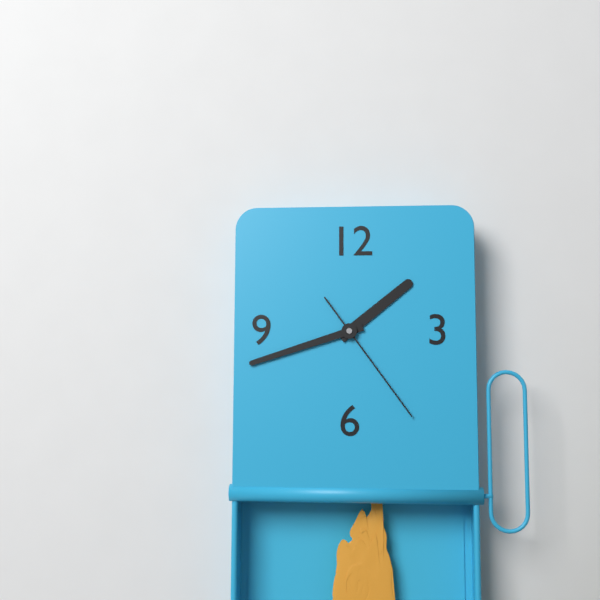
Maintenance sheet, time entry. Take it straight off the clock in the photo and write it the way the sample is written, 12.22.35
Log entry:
1.42.24
